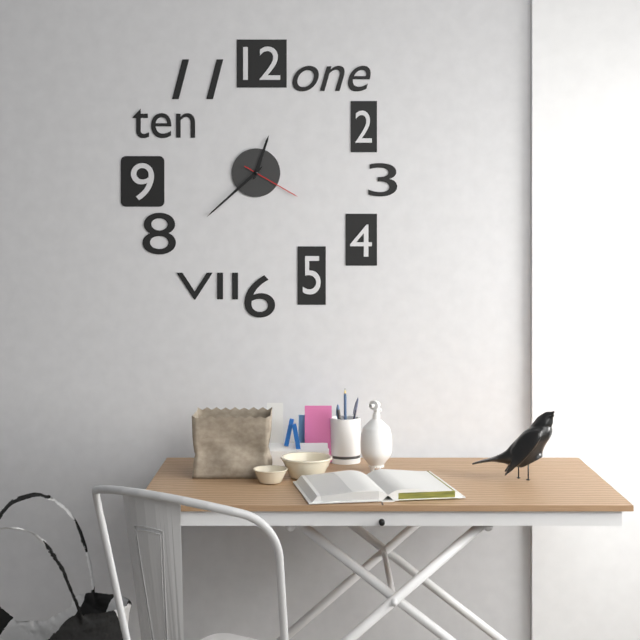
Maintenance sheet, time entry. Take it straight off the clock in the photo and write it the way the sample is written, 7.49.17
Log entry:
12.38.20
